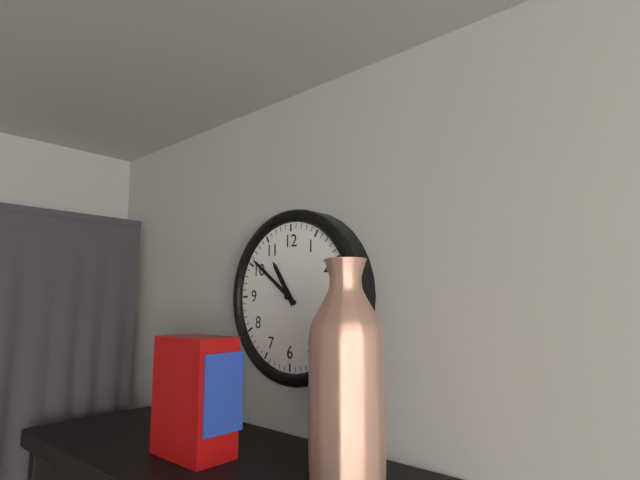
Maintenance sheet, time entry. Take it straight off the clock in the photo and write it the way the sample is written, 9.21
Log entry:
10.51
